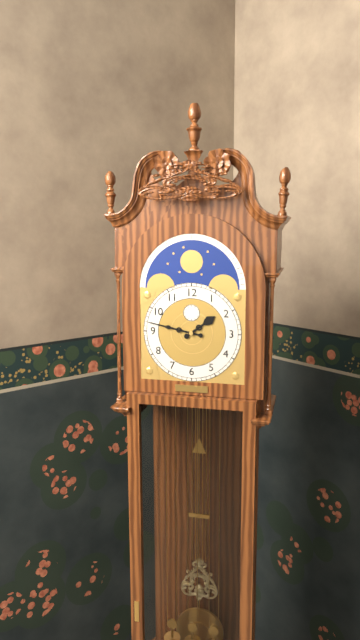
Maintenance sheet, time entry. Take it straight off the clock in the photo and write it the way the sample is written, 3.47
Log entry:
1.47
